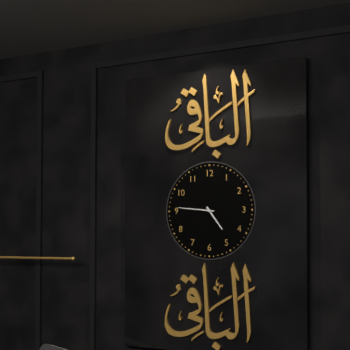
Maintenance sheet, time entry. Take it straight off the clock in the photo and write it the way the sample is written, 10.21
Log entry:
4.46
